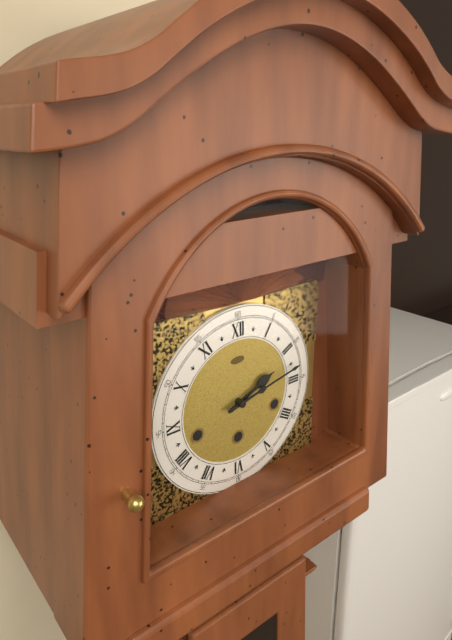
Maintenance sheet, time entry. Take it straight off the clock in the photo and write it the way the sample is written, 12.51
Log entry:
2.13
